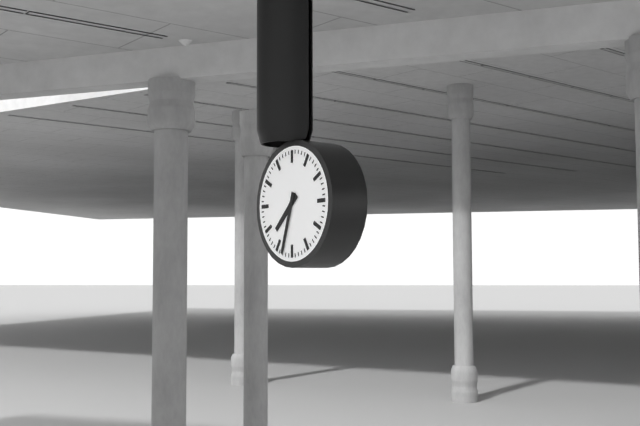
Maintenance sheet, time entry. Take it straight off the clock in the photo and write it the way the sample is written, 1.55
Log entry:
7.33
